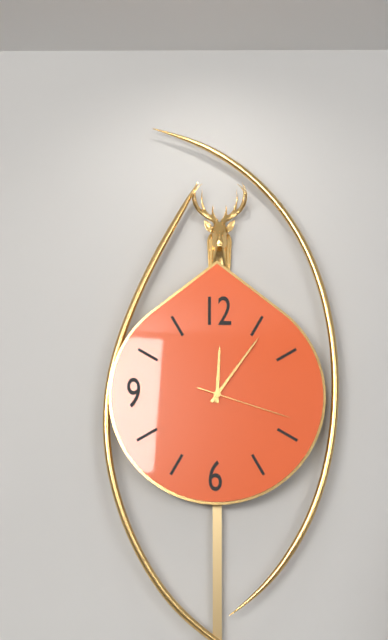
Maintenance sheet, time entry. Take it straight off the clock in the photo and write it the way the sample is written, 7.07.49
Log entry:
12.06.18
